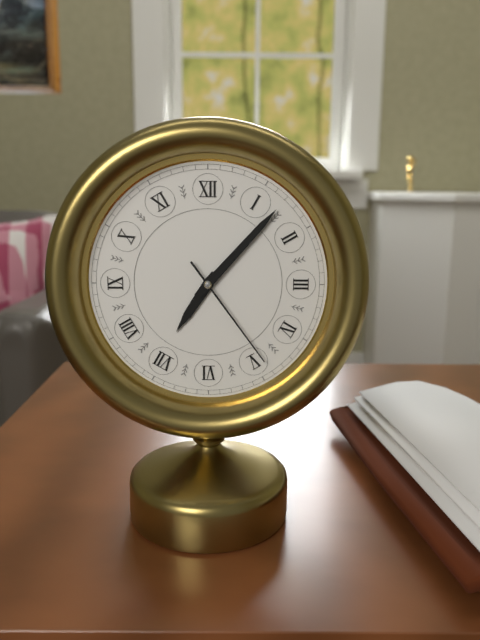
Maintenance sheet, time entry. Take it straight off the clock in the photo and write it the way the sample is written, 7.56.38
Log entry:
7.07.24
